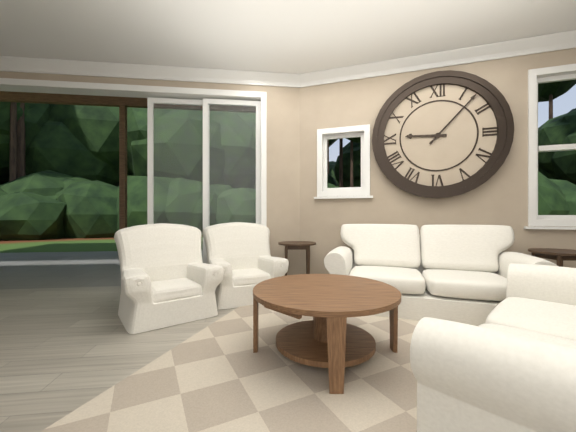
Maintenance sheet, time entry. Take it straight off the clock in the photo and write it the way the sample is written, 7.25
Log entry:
9.07
